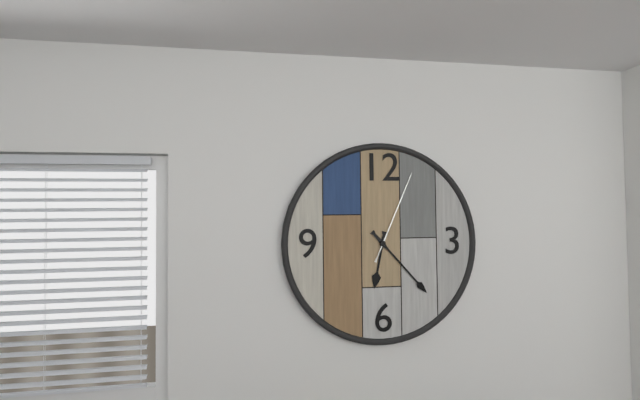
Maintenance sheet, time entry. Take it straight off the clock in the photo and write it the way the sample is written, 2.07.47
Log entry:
6.23.04
